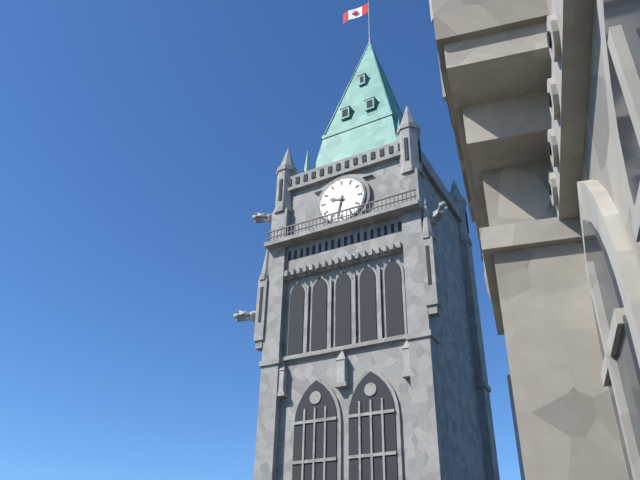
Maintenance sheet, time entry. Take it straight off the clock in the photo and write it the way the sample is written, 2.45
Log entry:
9.32
